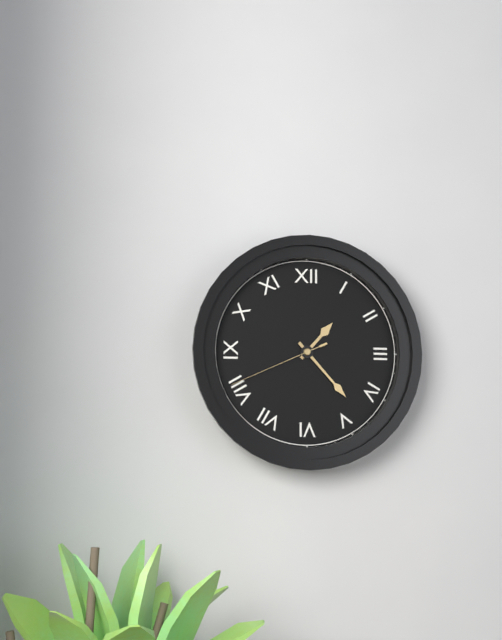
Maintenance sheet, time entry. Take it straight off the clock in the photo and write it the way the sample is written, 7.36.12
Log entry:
1.23.41
